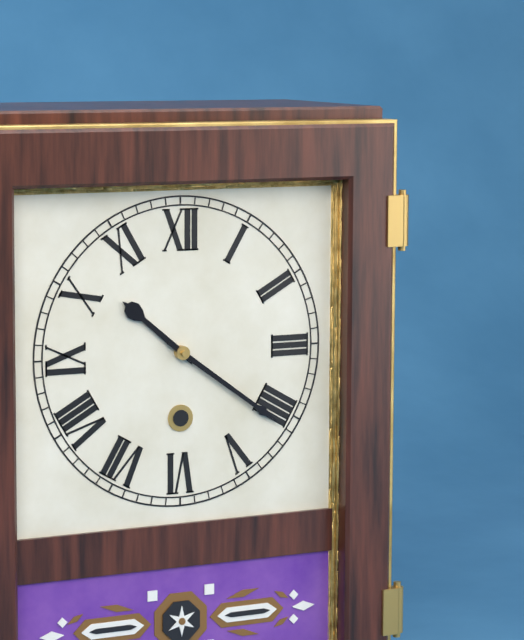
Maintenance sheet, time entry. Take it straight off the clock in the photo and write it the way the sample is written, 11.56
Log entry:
10.21
